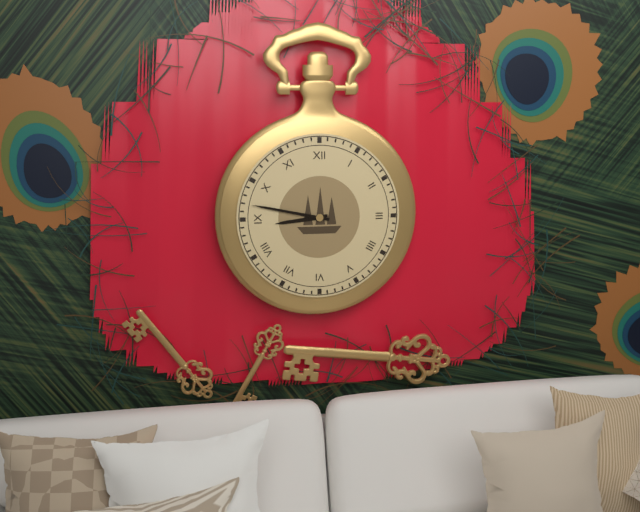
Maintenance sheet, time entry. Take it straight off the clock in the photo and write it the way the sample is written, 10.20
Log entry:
8.47
